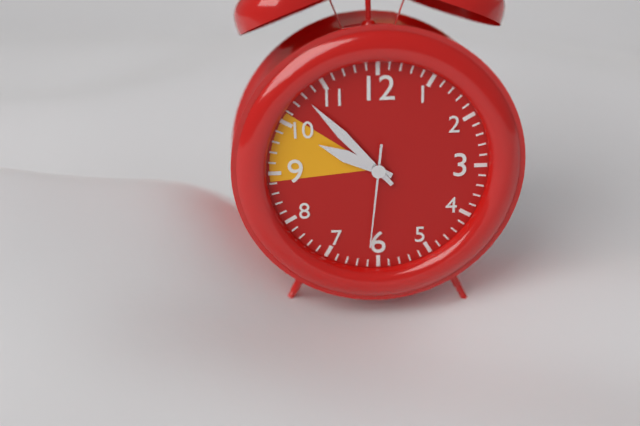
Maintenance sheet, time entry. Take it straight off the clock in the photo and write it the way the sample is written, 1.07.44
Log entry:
9.53.31
